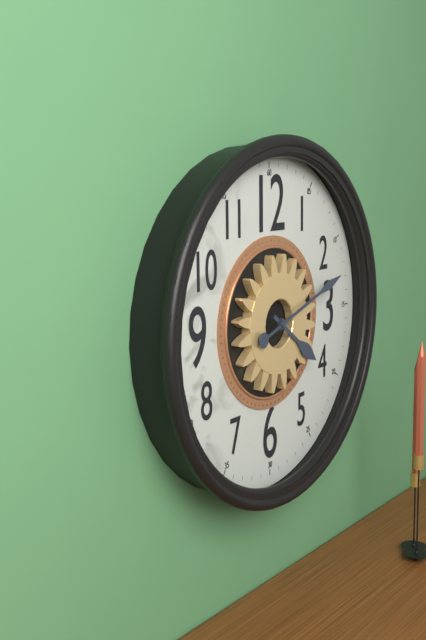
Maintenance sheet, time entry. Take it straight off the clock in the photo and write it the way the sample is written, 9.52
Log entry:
4.12
